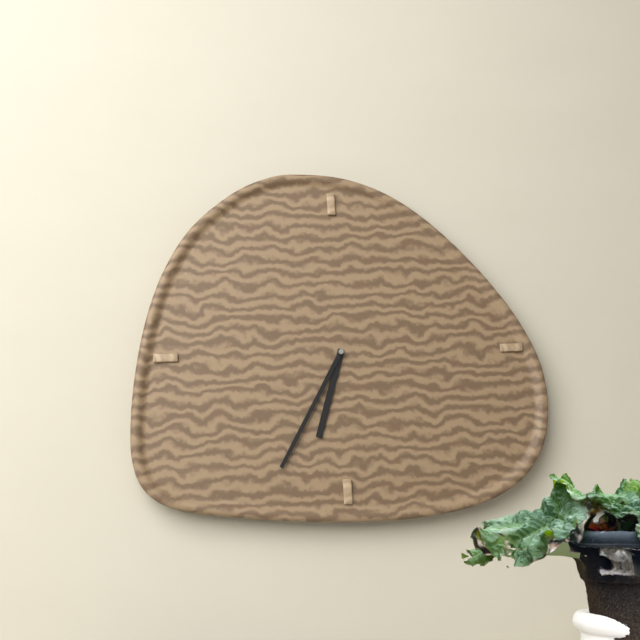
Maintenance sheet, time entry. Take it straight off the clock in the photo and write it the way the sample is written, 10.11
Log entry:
6.35
